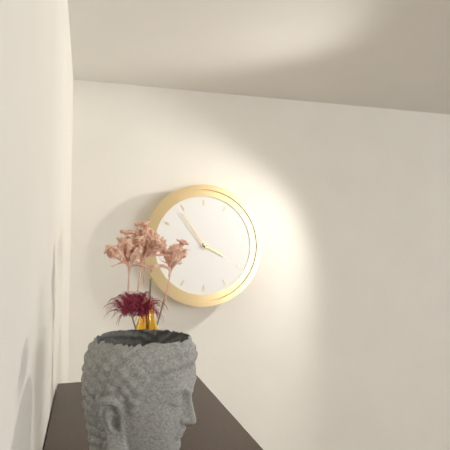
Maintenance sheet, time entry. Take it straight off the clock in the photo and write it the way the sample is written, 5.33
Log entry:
3.54
